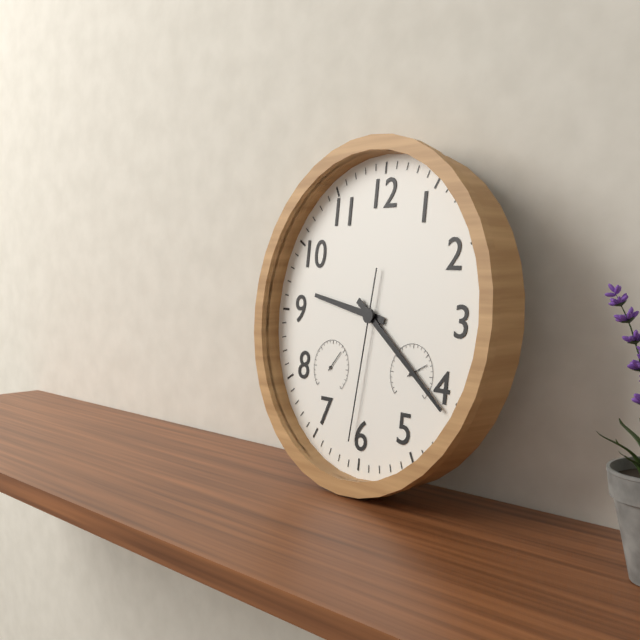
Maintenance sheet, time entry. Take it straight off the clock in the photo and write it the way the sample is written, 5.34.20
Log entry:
9.21.31
